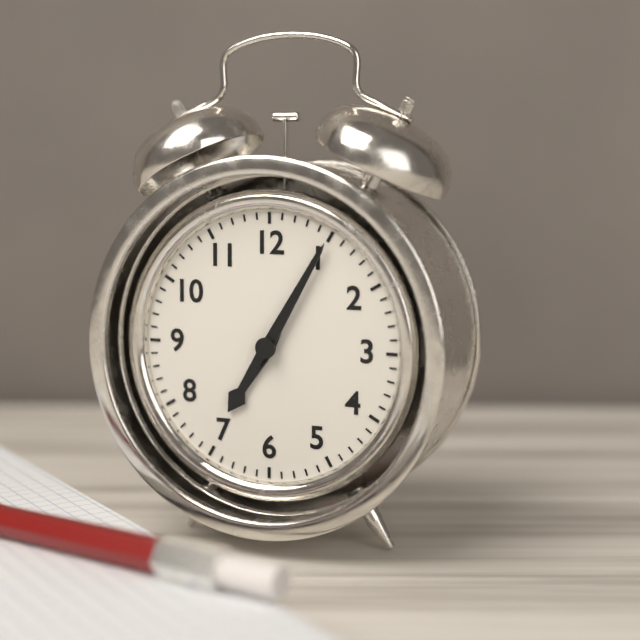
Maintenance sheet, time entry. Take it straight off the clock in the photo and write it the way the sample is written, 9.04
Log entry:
7.05
